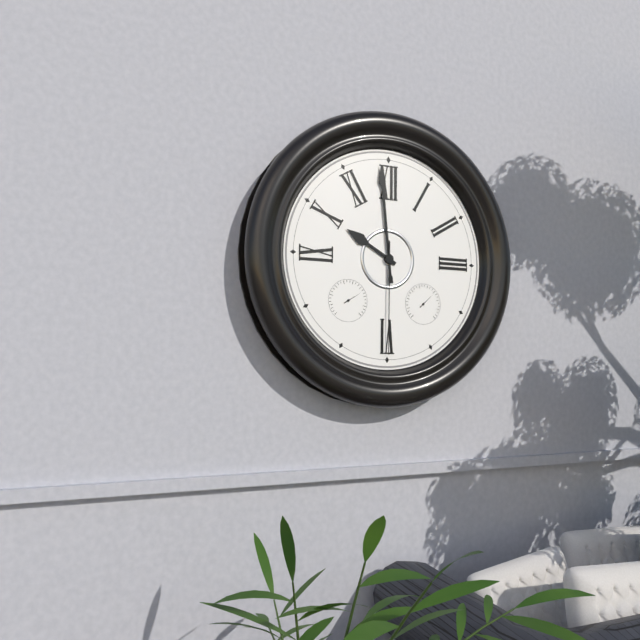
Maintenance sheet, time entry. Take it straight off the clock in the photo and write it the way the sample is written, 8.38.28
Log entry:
9.59.30
